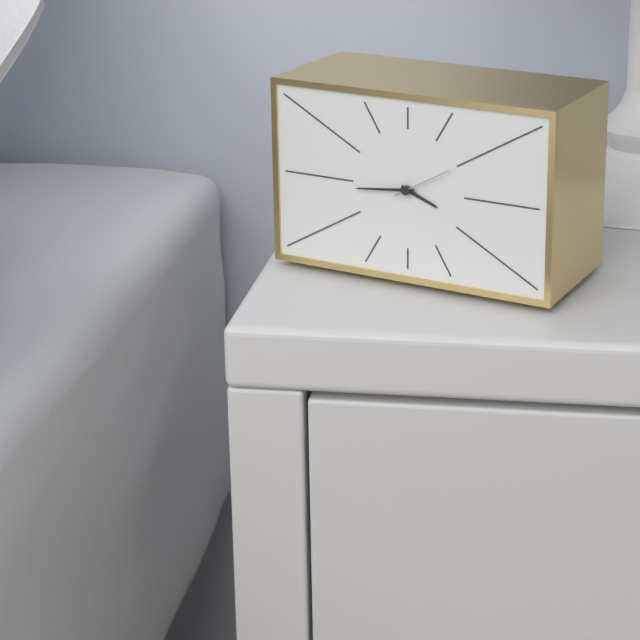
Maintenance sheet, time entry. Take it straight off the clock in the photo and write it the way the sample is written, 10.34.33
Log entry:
3.44.10
